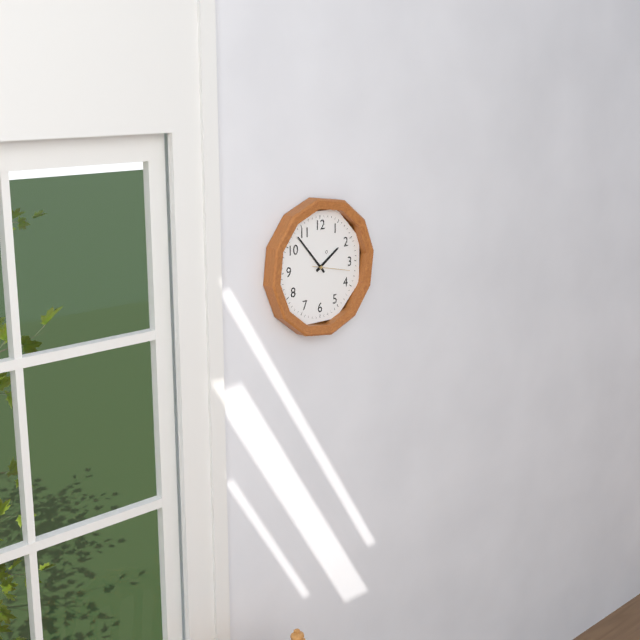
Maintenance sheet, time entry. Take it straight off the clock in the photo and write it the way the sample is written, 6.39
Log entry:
1.53
